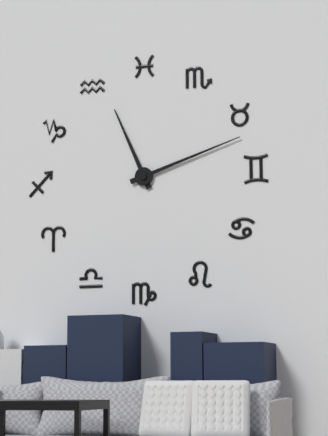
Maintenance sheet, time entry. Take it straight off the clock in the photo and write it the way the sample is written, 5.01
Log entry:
11.12
